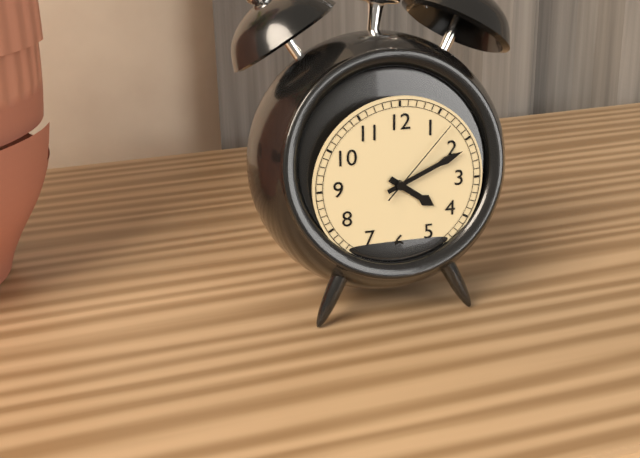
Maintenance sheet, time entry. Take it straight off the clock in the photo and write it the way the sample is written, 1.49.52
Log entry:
4.11.07
